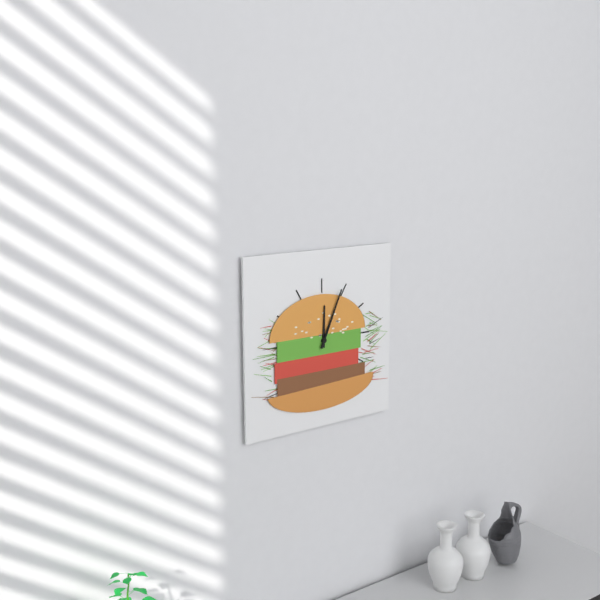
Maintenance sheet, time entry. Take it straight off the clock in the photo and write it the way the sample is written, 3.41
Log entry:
12.04
